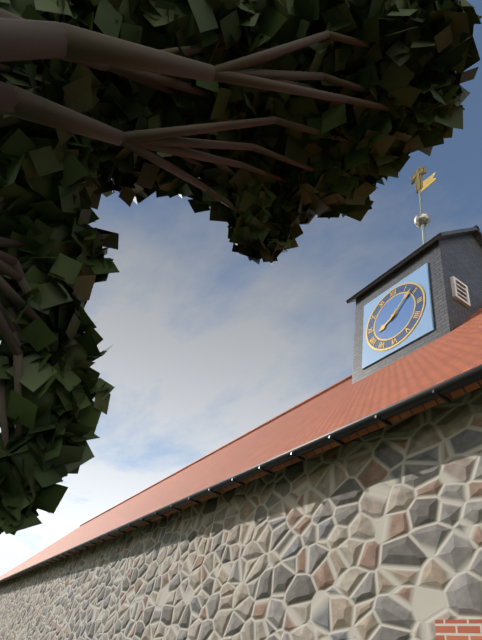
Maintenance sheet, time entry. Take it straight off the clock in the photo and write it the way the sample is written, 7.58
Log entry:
8.08
